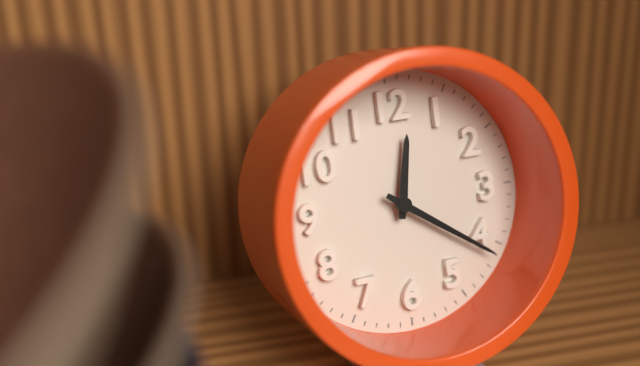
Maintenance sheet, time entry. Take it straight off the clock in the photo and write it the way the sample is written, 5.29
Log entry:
12.21
